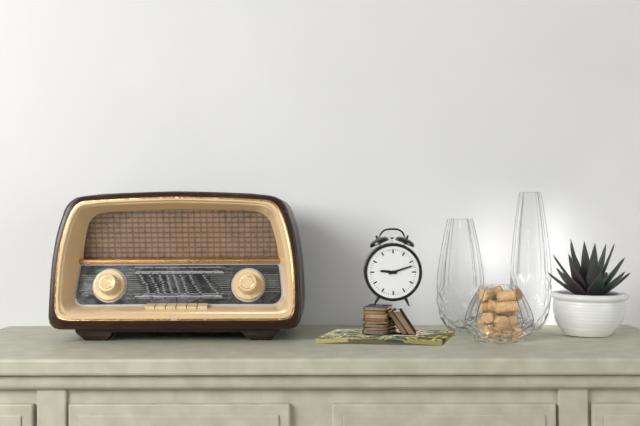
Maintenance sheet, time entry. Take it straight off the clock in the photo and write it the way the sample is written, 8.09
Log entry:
9.12
